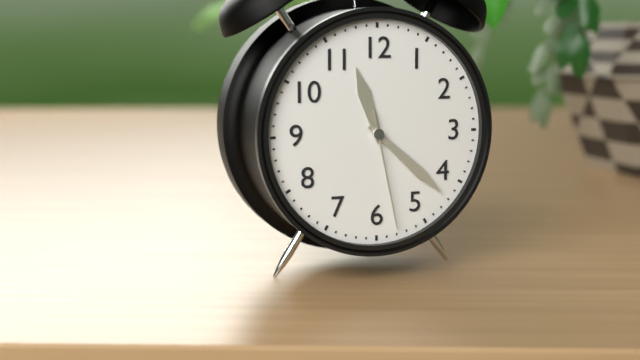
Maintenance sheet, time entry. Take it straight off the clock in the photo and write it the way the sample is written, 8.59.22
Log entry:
11.22.28
